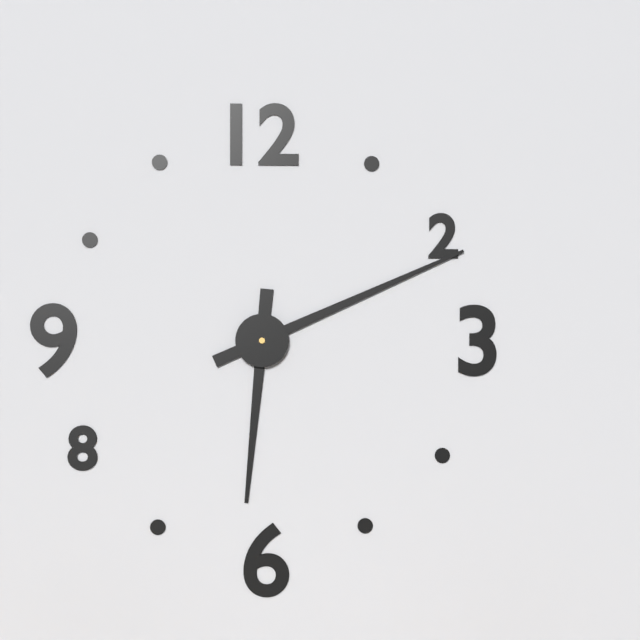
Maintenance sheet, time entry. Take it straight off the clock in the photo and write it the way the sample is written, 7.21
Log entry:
6.11
